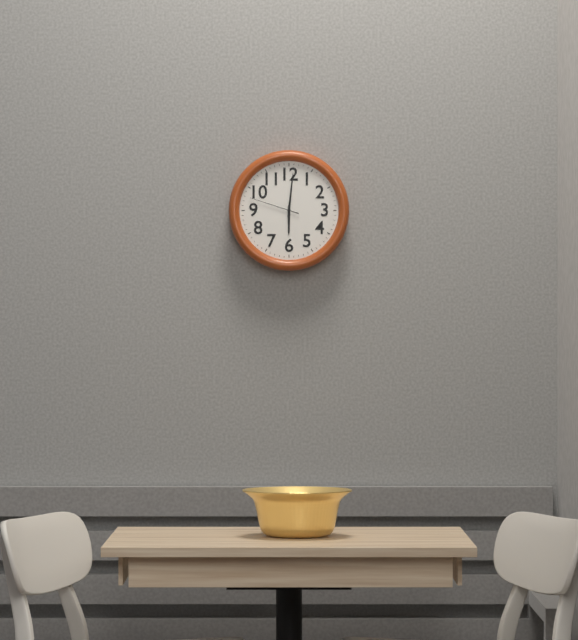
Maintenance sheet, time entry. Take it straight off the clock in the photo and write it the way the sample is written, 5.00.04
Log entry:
6.01.48
